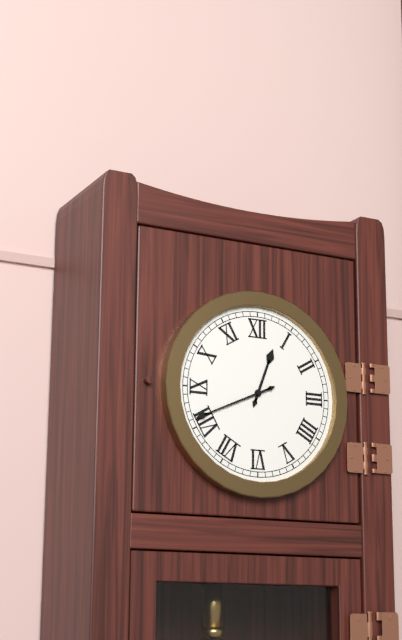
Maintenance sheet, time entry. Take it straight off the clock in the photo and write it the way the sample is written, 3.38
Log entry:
12.41
